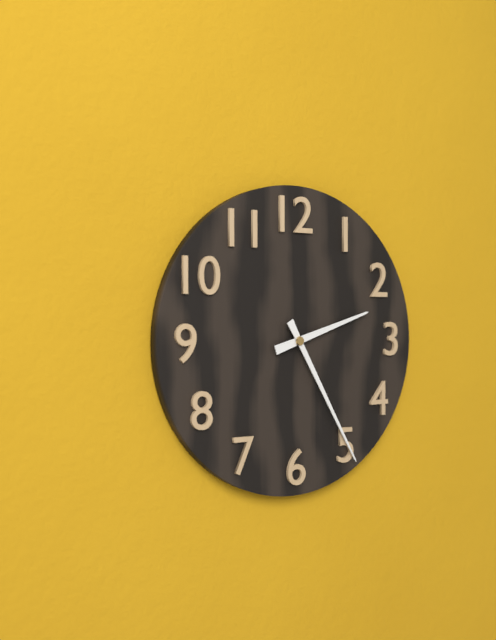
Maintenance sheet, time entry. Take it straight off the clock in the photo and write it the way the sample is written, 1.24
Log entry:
2.25
